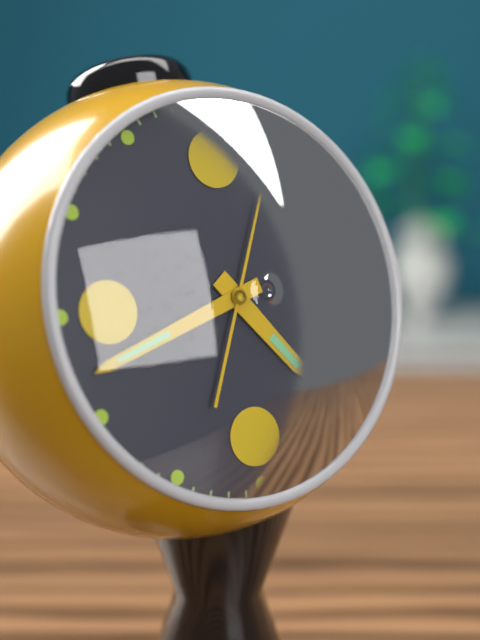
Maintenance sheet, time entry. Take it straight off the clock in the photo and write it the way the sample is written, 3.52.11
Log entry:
4.42.04
